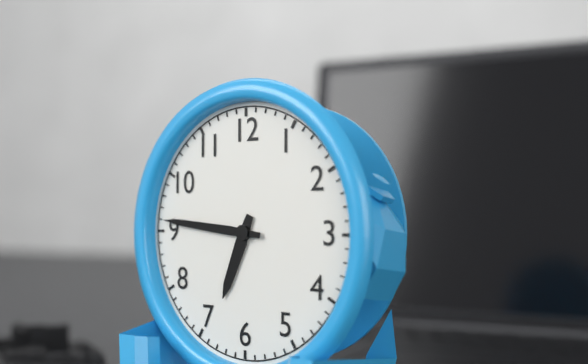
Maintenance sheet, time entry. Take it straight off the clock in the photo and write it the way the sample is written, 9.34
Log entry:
6.46
